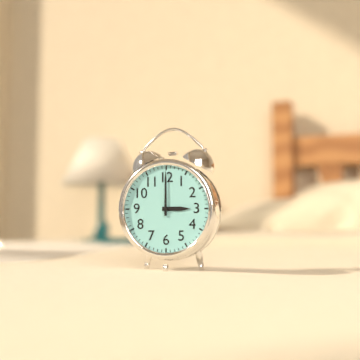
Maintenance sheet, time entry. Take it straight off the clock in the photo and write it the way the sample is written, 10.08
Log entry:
3.00
